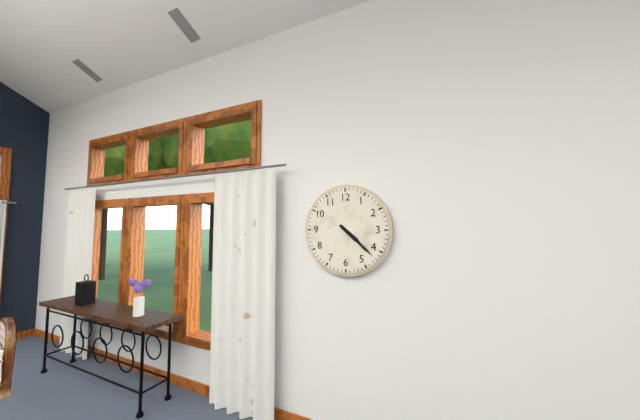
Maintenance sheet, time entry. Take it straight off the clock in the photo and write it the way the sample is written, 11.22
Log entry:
4.22
